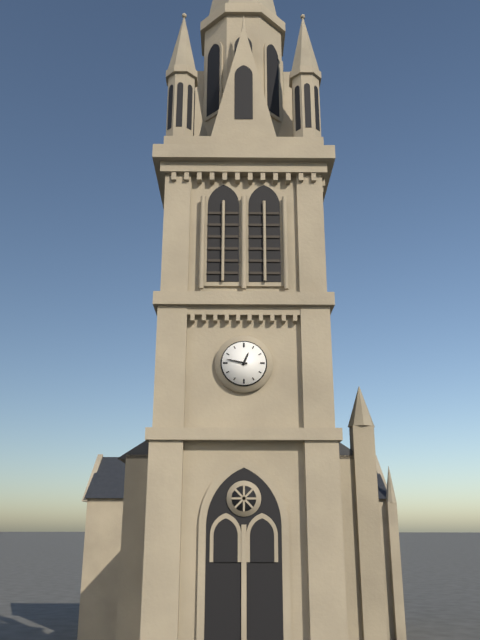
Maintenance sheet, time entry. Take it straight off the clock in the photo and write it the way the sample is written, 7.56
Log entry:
12.47
